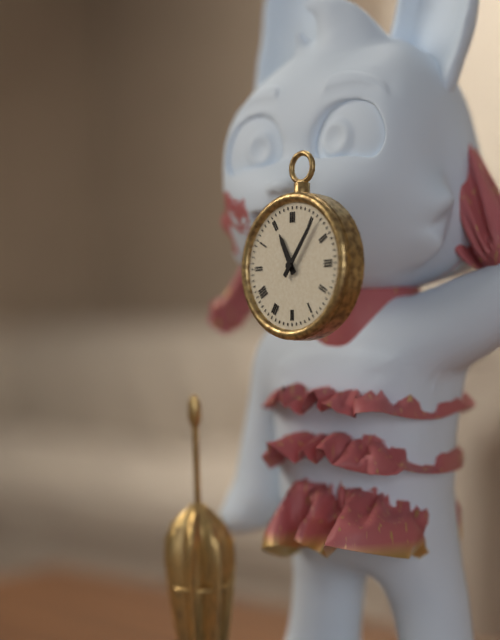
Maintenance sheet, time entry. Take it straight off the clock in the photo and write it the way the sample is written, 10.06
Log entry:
11.06
